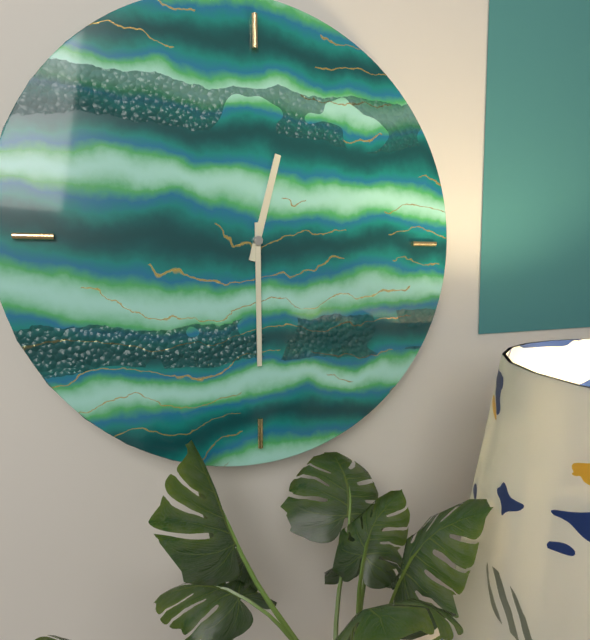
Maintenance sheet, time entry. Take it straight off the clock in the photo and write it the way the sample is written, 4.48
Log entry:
12.30
